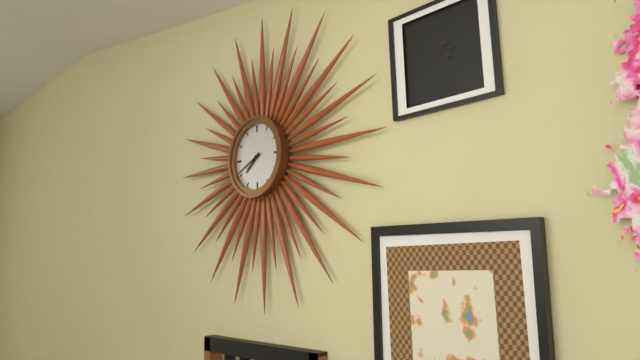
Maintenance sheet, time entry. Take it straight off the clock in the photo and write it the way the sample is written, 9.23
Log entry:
7.41
